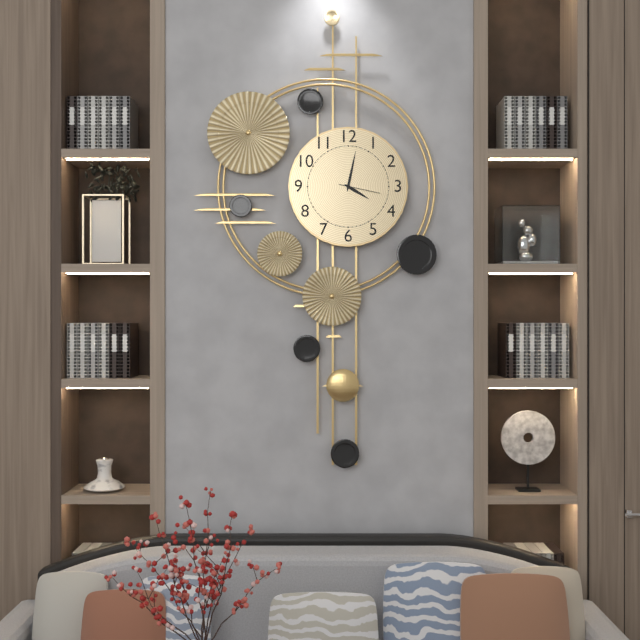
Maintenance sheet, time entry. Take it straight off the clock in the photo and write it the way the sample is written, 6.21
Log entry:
4.02
